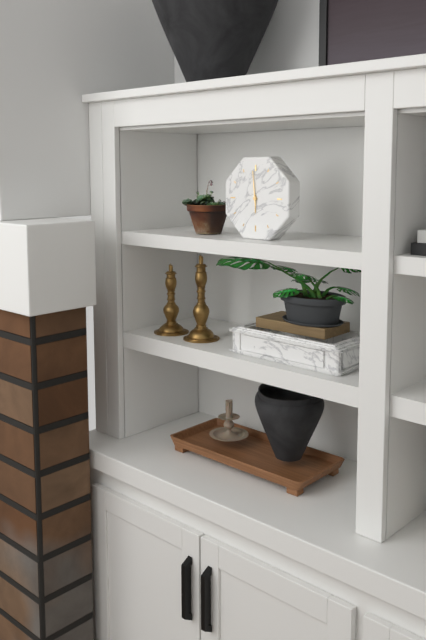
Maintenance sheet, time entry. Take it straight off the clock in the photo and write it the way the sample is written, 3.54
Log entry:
5.59
